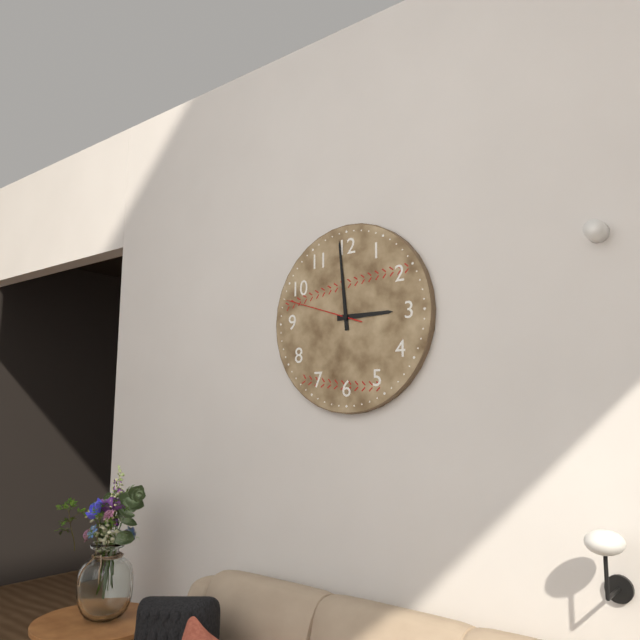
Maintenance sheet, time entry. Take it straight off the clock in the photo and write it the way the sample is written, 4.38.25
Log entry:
2.59.48
